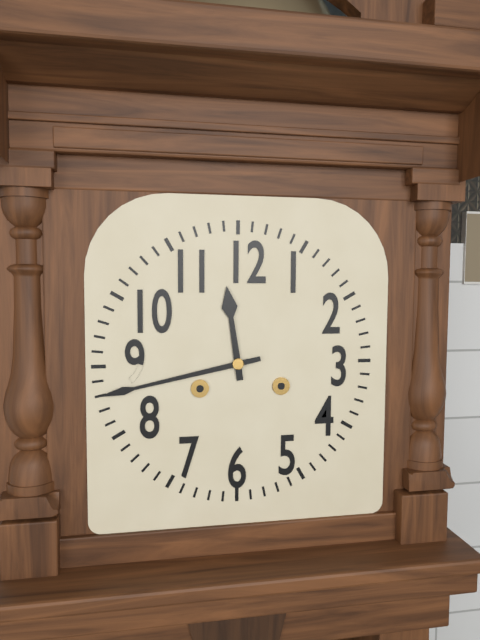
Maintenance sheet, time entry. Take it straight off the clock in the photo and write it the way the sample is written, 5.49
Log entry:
11.43
